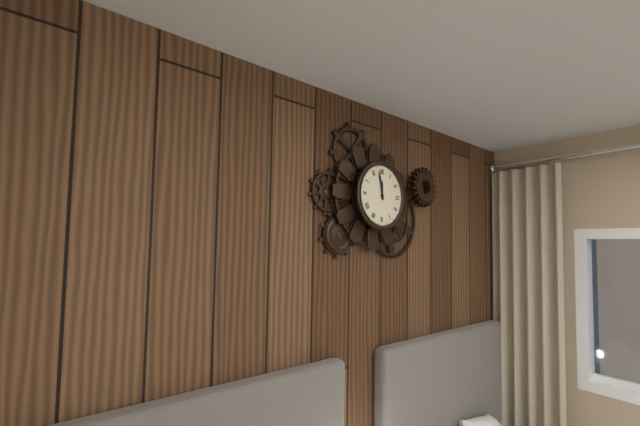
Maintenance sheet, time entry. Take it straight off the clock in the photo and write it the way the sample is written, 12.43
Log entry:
11.58
